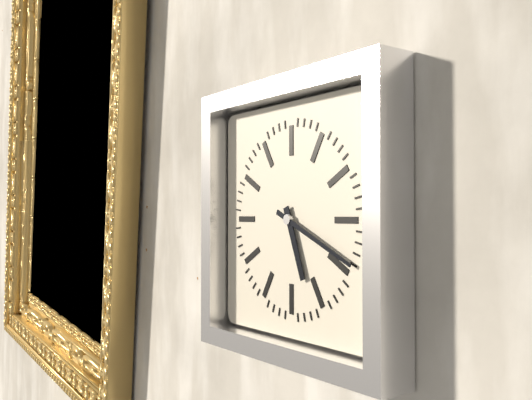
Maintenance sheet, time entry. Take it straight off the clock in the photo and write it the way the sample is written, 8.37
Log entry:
5.19
